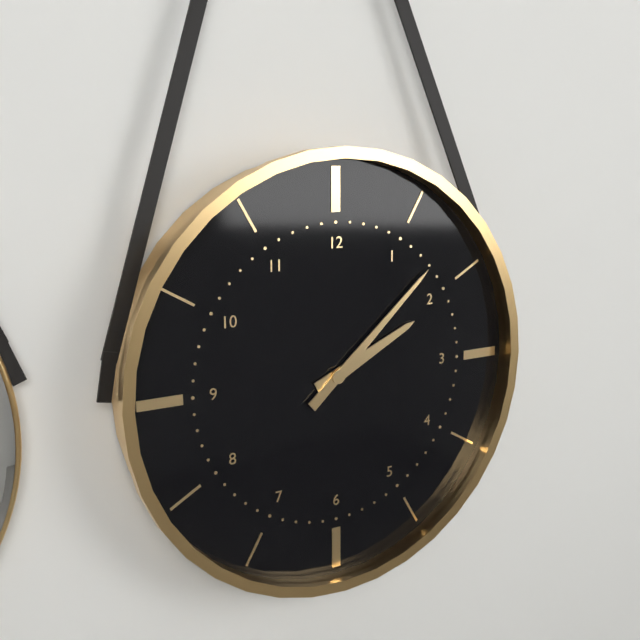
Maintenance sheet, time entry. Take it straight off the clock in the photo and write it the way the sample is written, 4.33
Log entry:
2.08
